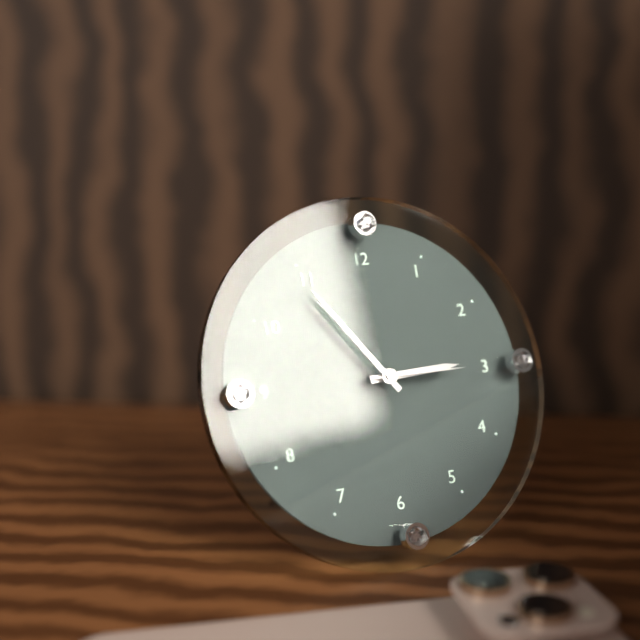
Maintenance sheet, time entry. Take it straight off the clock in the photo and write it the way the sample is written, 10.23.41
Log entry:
2.54.15
